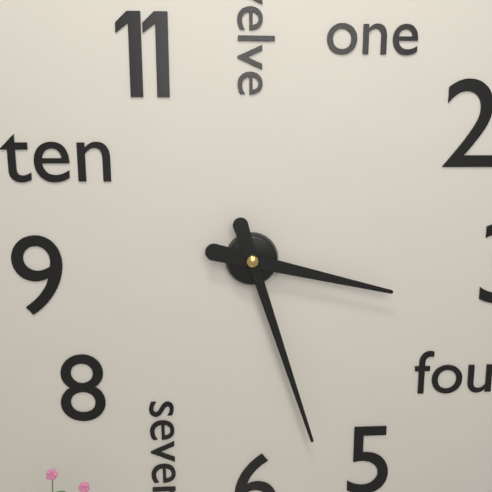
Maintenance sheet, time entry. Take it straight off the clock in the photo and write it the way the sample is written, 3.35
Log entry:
3.27
